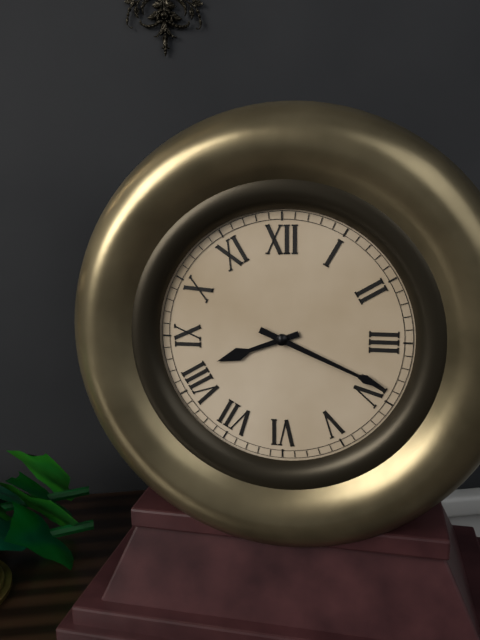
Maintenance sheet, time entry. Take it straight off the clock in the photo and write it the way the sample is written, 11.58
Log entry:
8.19
